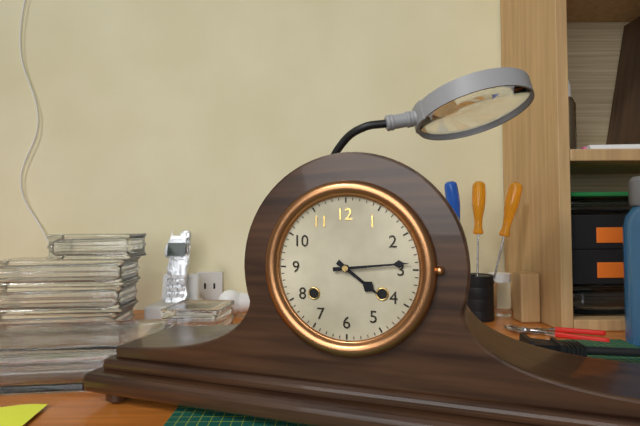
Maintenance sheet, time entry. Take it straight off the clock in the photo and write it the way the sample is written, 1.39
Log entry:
4.14
